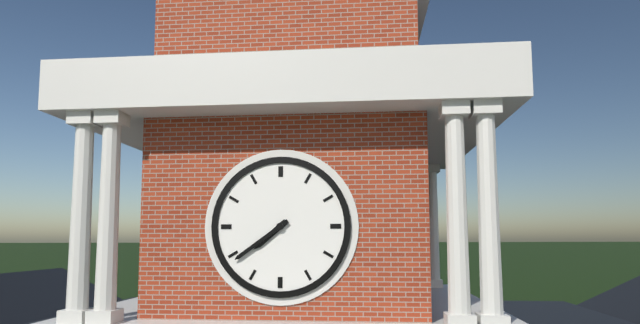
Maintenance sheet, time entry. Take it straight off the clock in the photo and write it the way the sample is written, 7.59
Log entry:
7.39
